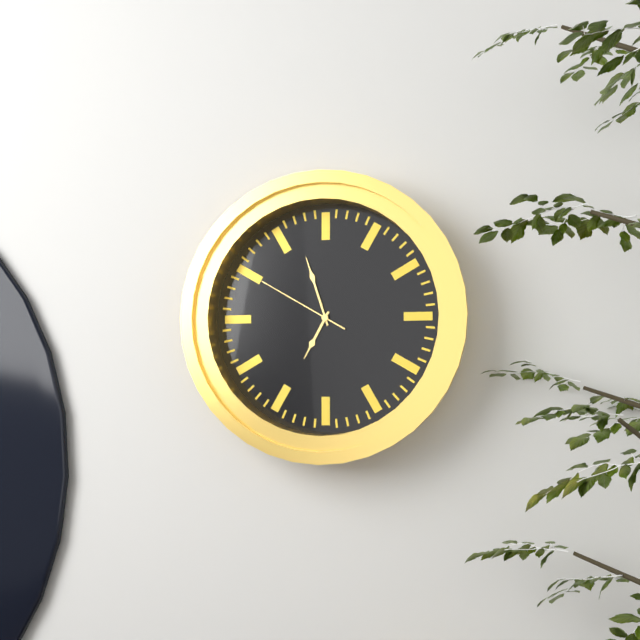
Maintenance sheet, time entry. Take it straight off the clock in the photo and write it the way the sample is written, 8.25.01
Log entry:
6.57.50
